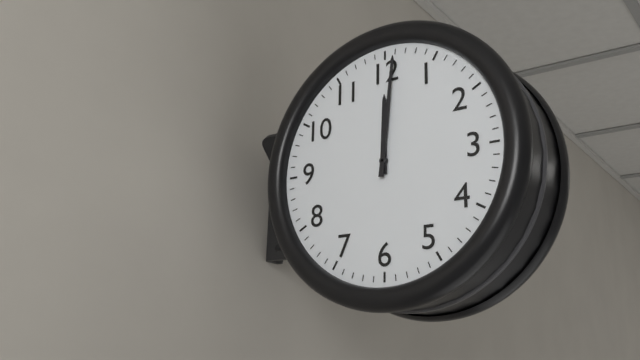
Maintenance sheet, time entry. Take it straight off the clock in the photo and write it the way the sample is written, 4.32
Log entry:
12.01
